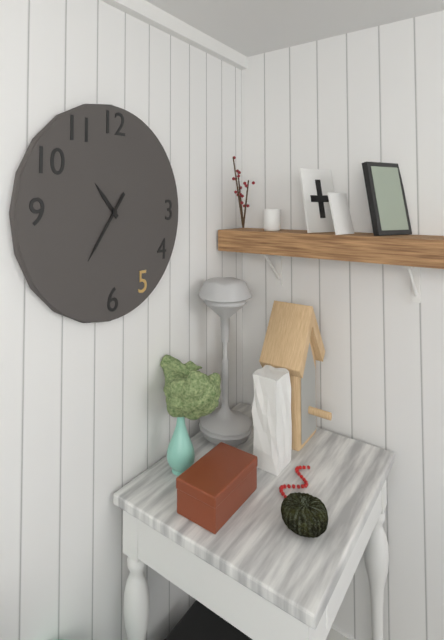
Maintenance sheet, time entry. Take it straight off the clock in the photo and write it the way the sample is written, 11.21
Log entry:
10.36
